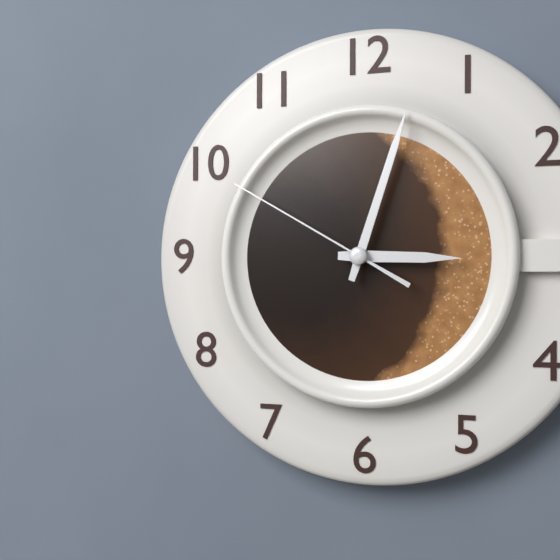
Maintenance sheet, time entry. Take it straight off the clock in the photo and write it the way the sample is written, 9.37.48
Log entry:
3.03.50
